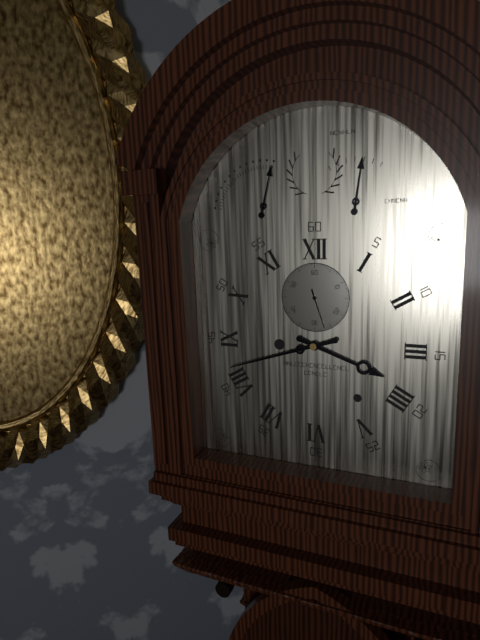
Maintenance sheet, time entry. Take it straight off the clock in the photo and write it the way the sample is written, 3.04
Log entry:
3.42
